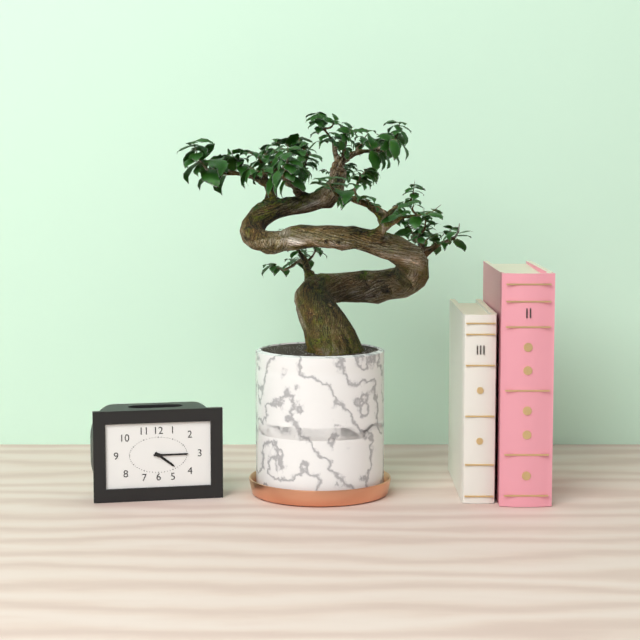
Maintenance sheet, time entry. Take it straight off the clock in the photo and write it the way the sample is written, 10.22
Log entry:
4.15
